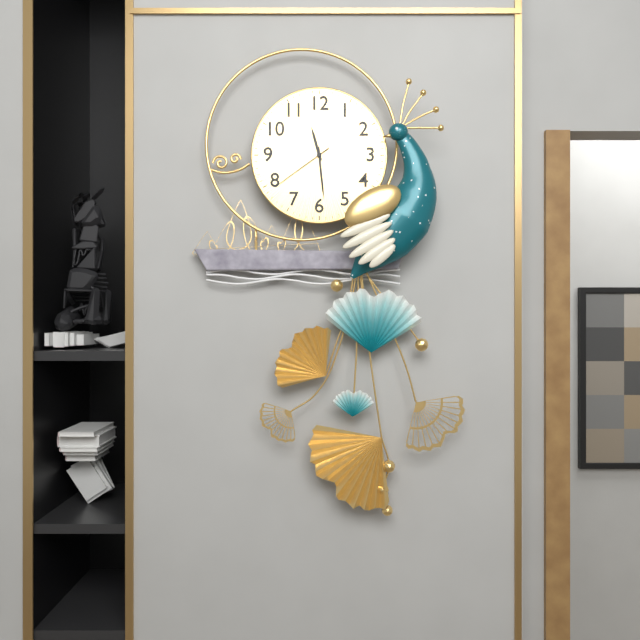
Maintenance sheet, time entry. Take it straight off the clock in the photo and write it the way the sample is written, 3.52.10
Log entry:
11.29.39
